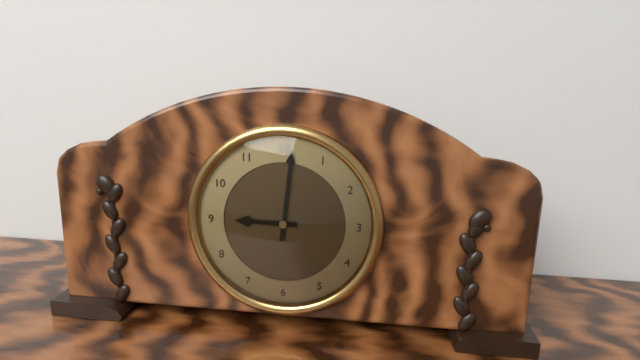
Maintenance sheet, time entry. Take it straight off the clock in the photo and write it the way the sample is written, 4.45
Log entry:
9.01
